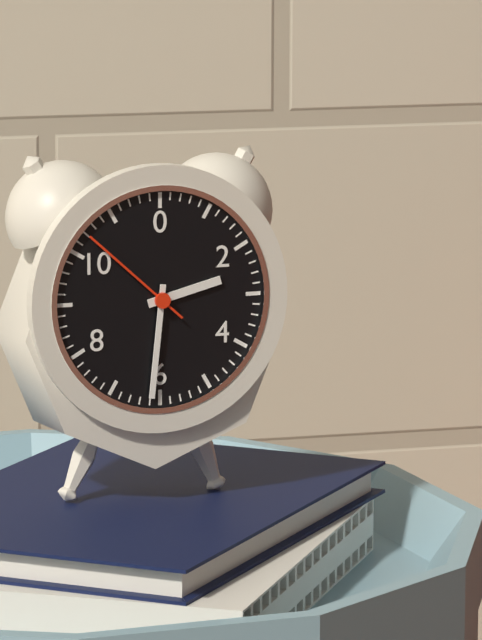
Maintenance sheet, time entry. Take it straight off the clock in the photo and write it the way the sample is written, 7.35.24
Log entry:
2.31.52
